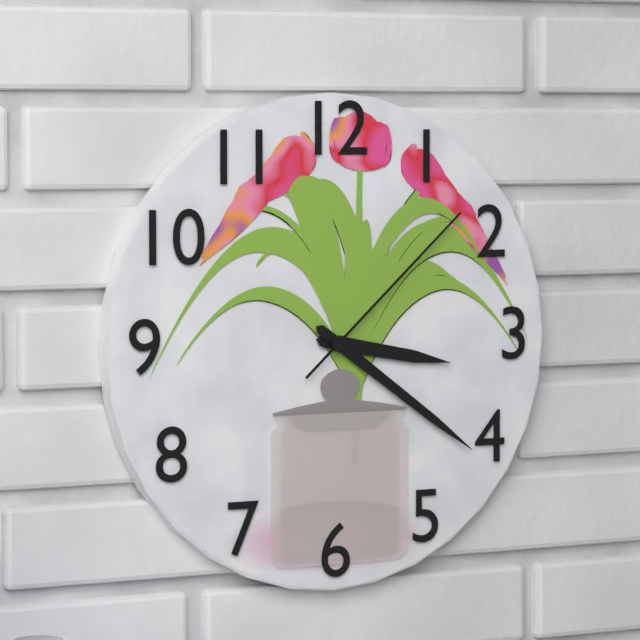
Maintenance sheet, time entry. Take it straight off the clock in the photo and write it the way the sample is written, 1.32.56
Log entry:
3.21.08
